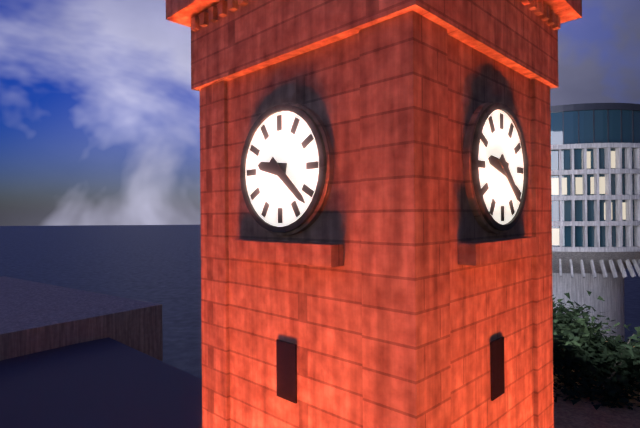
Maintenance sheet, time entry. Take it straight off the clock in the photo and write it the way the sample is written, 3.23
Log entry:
9.22
